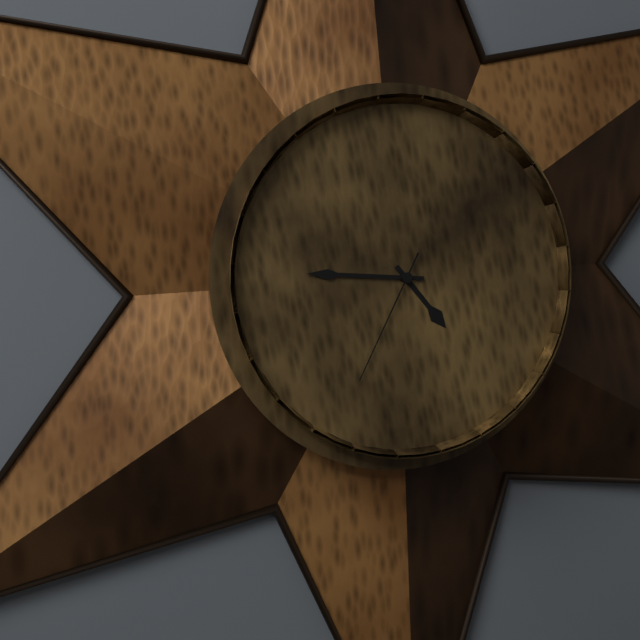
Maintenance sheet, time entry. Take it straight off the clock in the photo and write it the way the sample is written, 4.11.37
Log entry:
4.46.35
